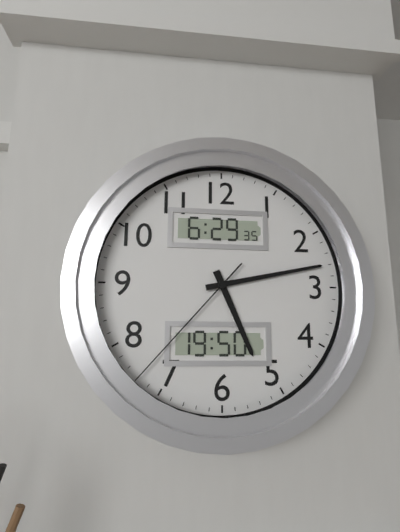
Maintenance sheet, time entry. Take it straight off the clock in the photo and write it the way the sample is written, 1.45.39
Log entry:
5.13.37
